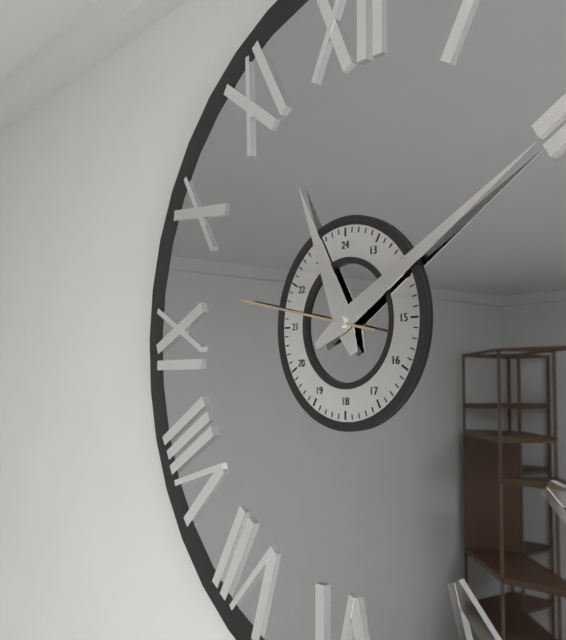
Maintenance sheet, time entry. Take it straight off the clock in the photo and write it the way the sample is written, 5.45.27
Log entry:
11.10.47
